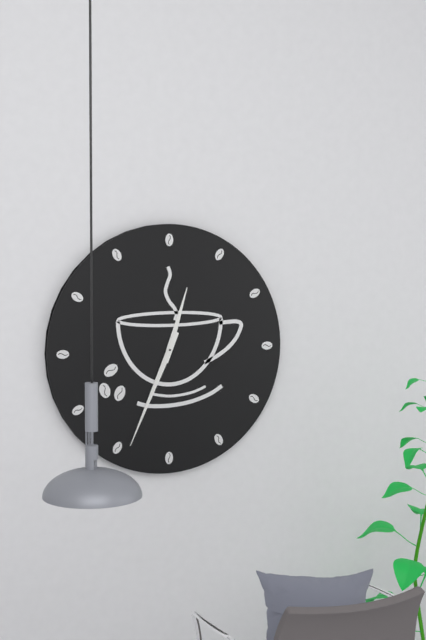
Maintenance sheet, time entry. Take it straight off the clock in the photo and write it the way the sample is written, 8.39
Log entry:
12.34
